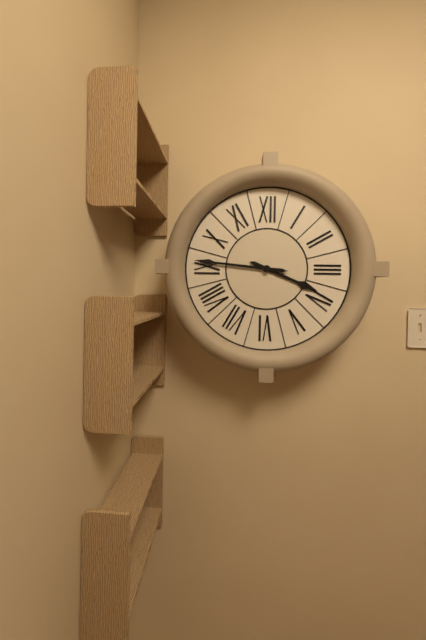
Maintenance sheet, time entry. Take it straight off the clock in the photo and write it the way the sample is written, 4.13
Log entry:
3.46
